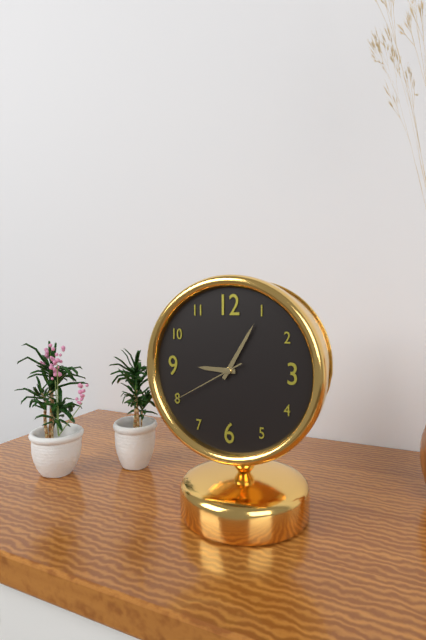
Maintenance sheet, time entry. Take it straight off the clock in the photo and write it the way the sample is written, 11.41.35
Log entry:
9.05.40
